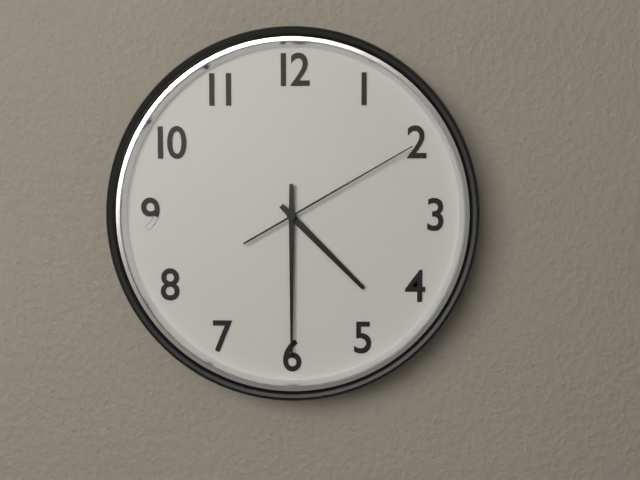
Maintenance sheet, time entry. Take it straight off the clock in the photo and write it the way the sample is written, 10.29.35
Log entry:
4.30.10
